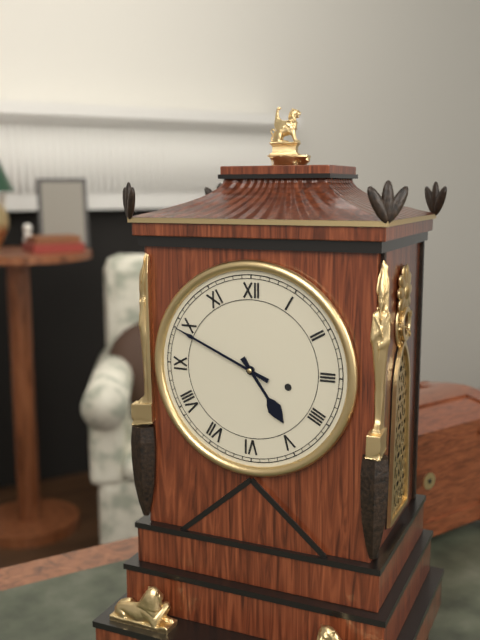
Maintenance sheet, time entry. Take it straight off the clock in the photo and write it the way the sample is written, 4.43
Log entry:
4.49
